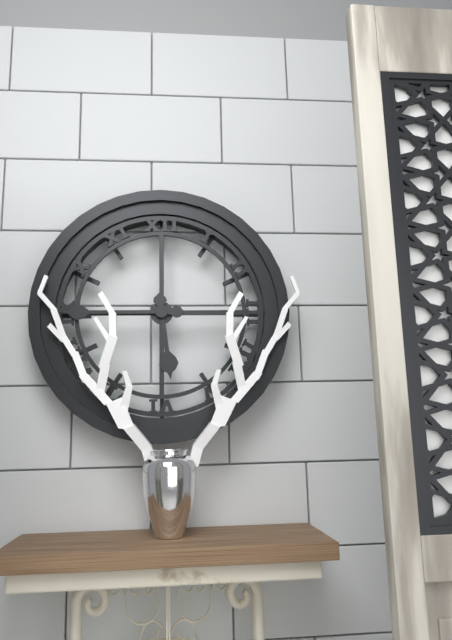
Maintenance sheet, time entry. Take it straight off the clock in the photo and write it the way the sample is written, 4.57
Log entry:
5.45
